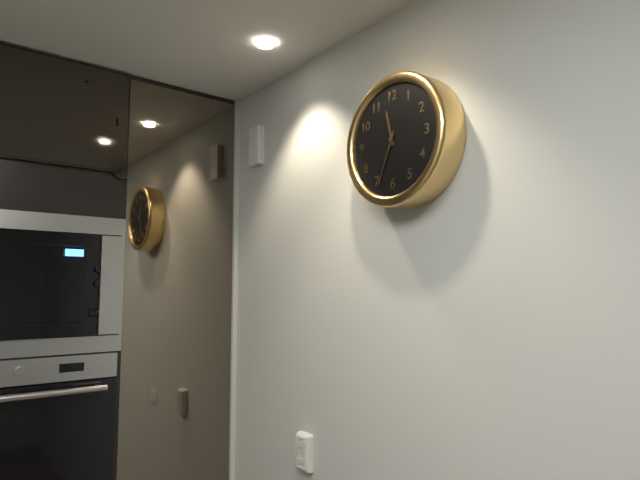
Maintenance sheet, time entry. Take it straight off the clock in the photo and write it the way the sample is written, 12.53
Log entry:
11.34
